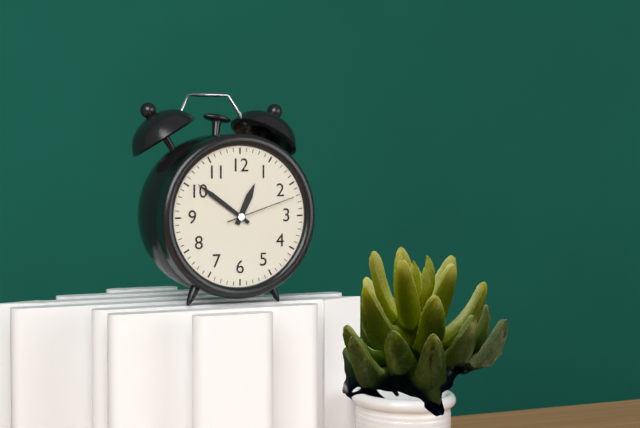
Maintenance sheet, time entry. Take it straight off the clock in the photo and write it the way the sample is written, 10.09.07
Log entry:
12.51.12
